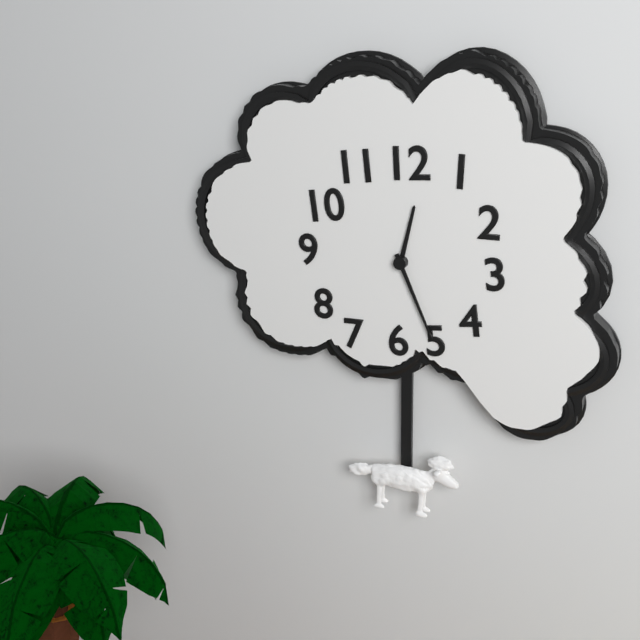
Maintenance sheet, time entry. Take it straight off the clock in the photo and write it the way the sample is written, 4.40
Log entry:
12.26
